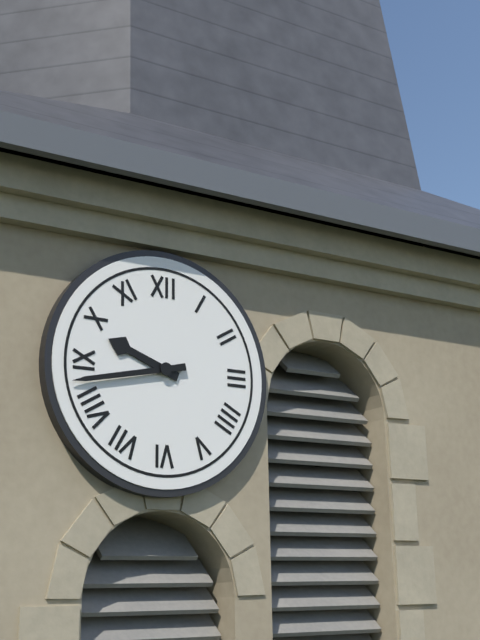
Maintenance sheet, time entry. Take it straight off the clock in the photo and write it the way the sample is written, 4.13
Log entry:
9.43
